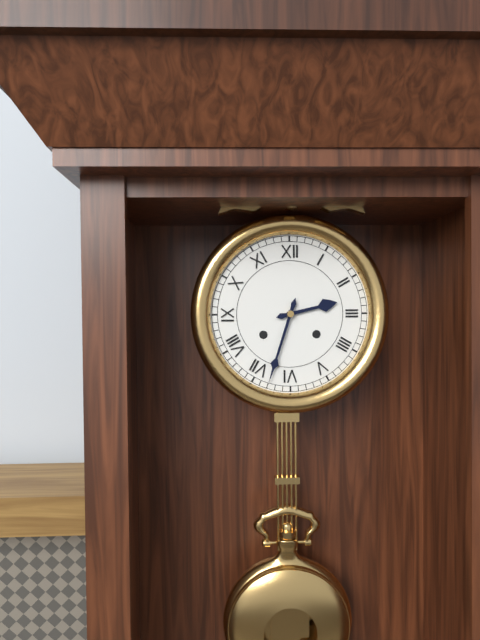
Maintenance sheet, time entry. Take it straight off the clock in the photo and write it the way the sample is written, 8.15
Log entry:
2.33
